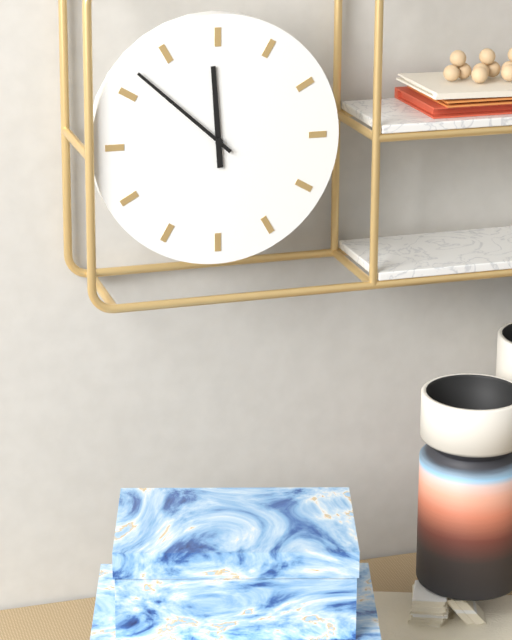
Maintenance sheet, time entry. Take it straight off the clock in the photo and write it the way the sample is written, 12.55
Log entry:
11.52
